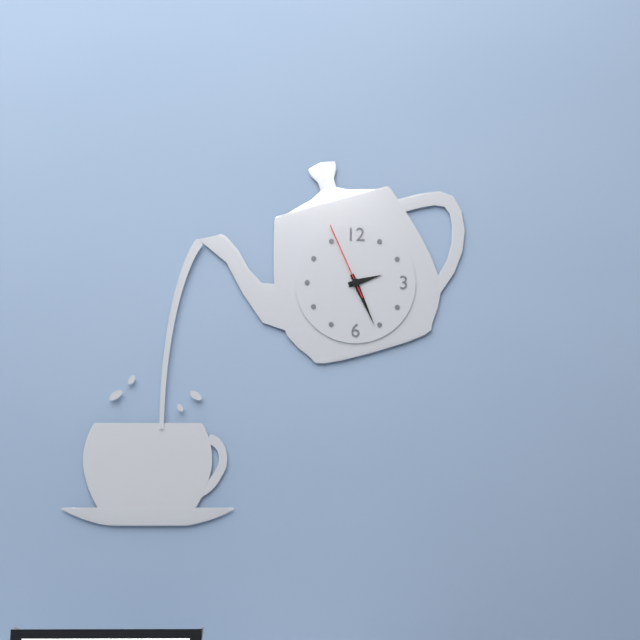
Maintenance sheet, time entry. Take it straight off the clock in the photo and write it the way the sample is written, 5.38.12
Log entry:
2.26.56
